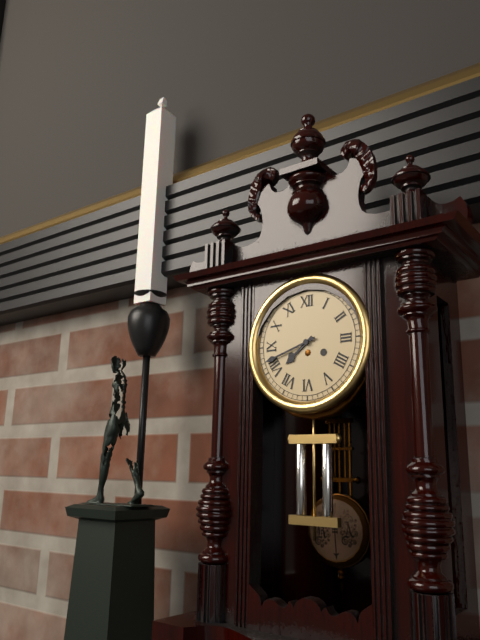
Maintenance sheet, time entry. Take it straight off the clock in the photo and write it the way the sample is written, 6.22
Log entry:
7.42
